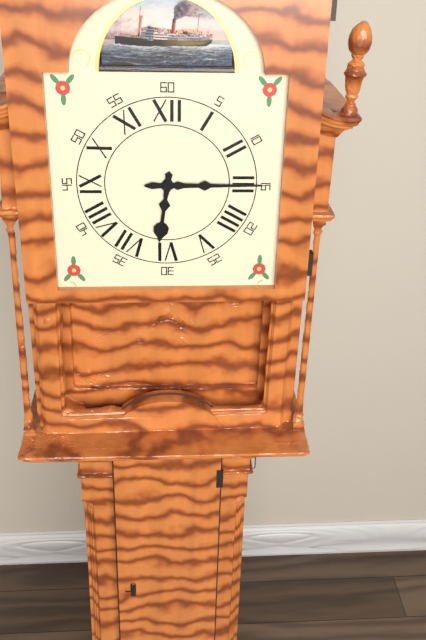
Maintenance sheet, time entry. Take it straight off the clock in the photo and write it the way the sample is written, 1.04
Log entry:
6.15
